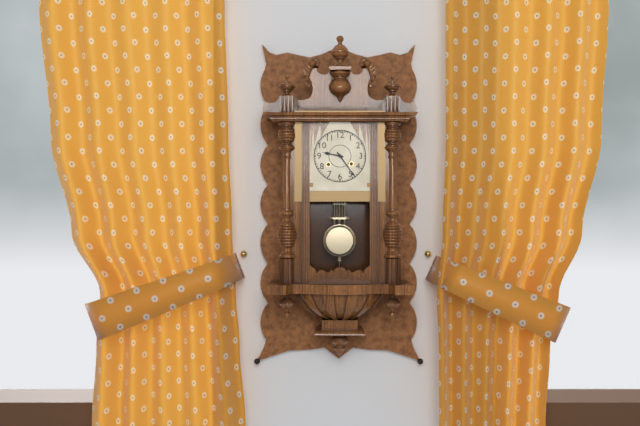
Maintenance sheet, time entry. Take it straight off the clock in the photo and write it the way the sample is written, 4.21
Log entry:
9.24
